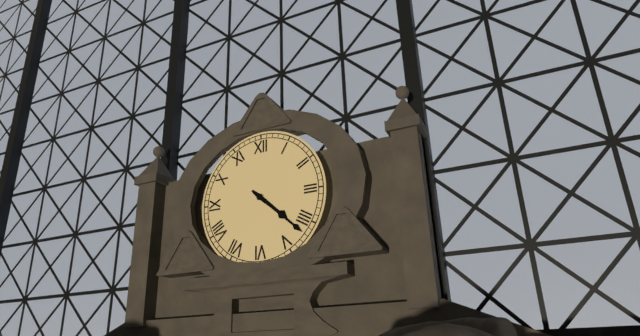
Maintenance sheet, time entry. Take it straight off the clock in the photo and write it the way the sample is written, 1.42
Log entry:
4.22
